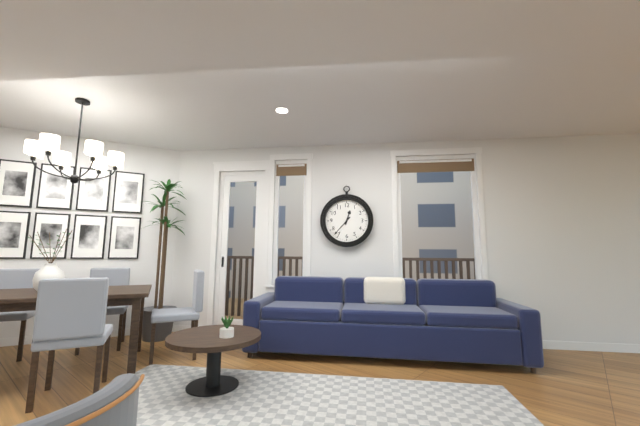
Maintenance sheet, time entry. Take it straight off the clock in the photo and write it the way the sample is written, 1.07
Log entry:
12.37
